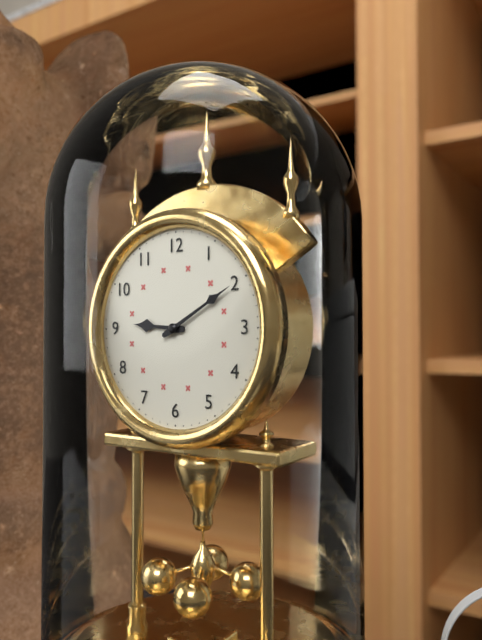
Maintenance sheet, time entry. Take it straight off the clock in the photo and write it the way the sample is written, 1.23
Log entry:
9.10
